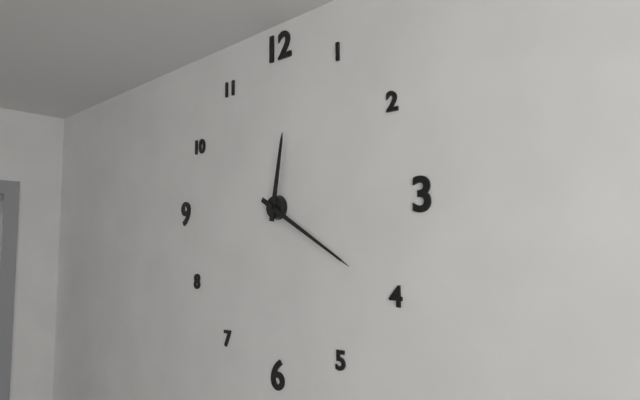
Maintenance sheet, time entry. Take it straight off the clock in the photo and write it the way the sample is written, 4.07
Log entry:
12.20
